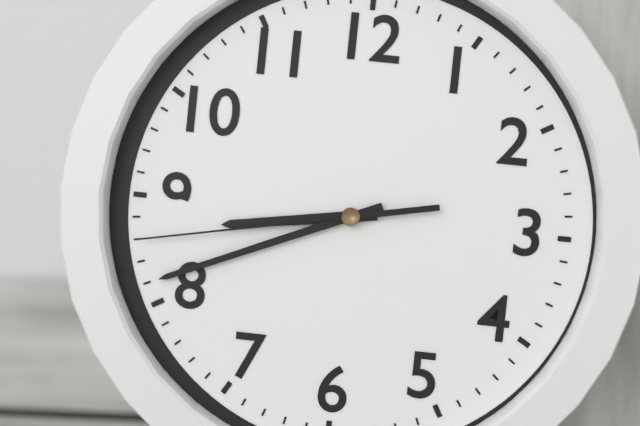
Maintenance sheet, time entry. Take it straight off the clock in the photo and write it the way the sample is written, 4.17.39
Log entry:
8.41.43
